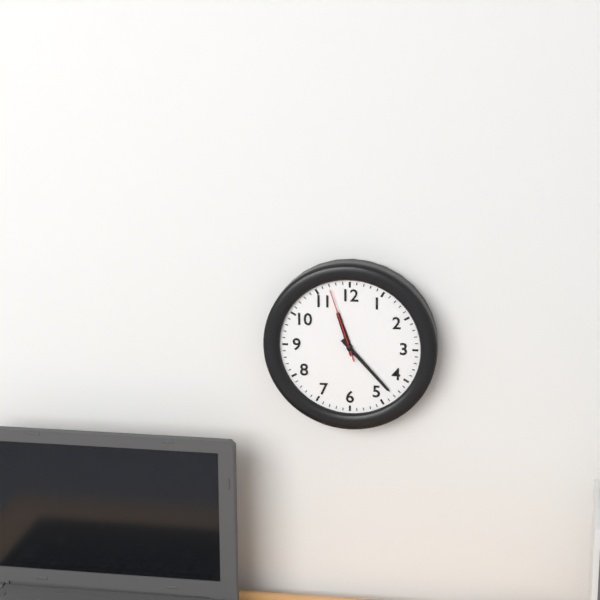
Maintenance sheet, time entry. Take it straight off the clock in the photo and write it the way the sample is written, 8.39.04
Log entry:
11.23.57
